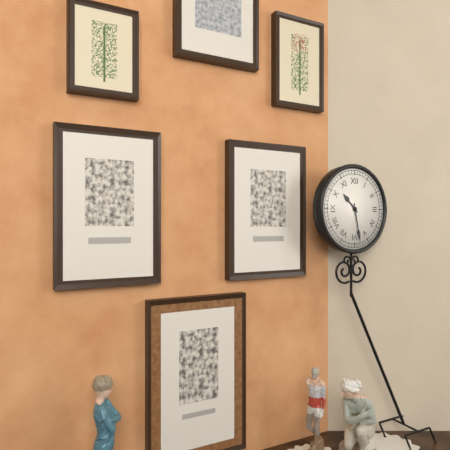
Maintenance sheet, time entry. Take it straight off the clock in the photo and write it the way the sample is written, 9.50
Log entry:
10.28
